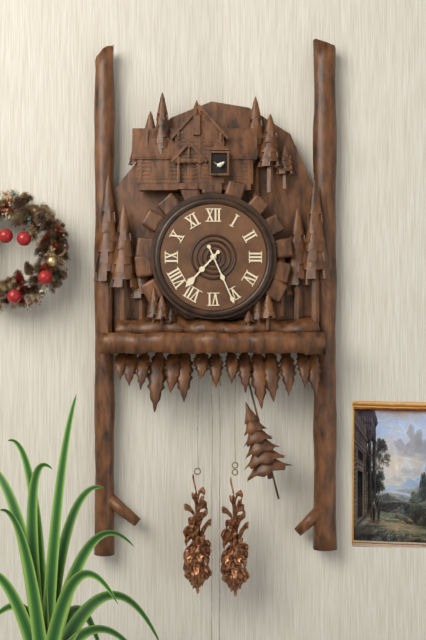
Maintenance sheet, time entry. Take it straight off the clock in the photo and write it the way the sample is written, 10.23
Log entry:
7.26
